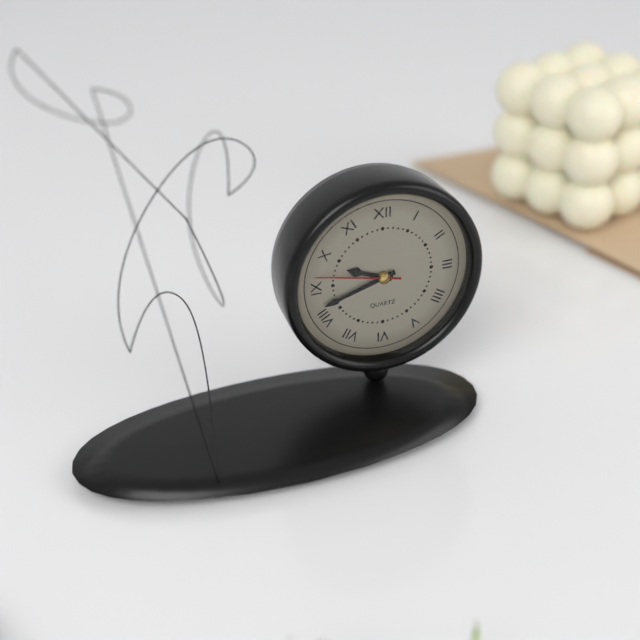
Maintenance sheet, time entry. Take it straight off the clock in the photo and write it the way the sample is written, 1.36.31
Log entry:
9.42.47
